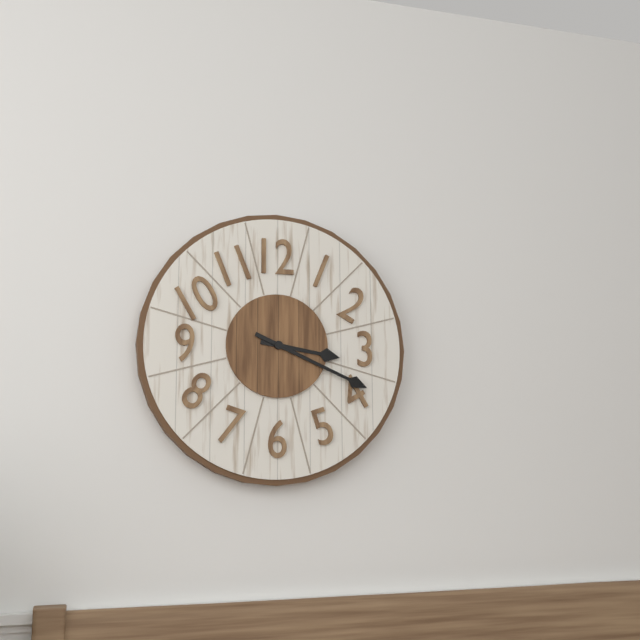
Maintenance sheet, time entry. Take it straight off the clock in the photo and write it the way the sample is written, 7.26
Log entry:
3.19
